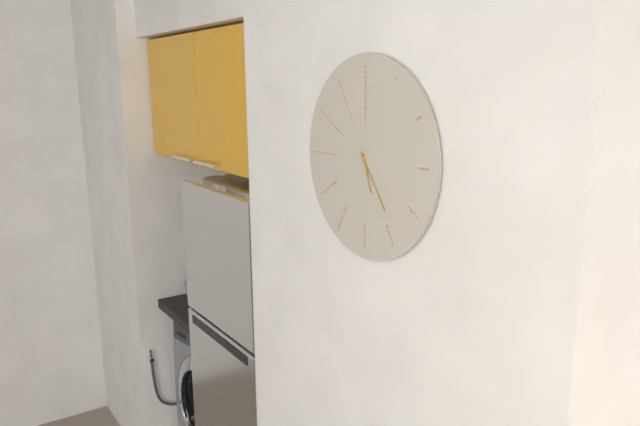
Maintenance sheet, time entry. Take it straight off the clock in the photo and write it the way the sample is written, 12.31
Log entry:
5.24
